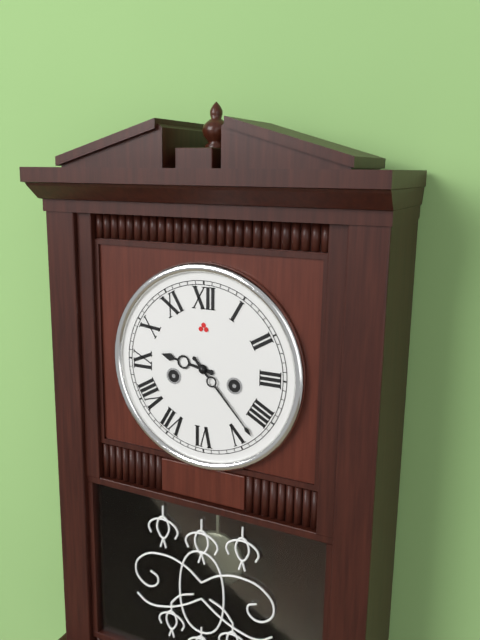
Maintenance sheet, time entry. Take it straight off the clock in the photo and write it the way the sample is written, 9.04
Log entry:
9.23
